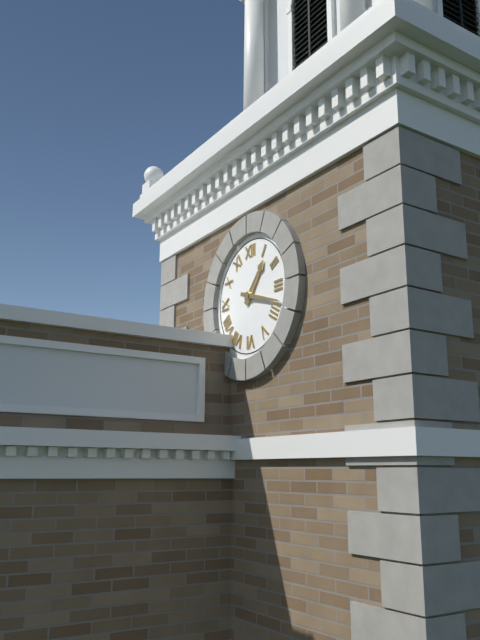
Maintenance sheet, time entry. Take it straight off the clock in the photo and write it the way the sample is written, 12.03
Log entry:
1.18
